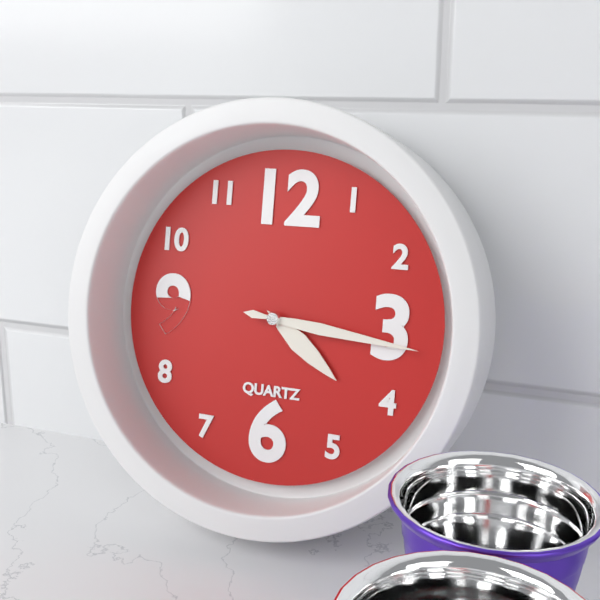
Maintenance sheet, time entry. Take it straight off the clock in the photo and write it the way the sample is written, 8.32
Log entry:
4.16
